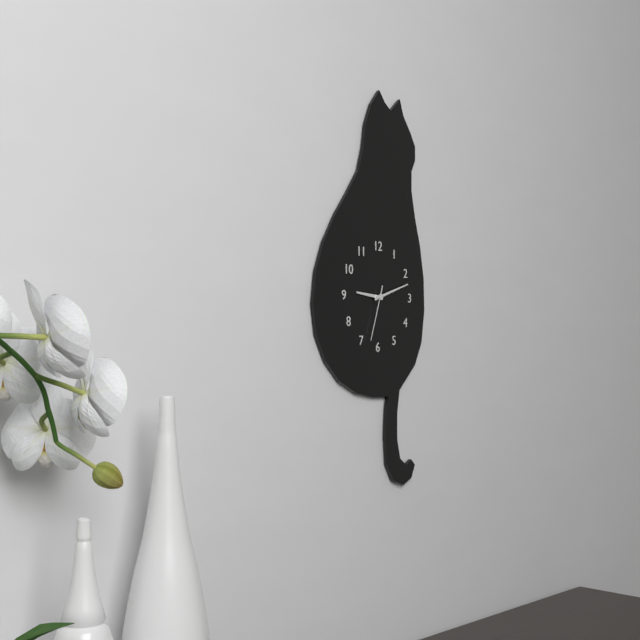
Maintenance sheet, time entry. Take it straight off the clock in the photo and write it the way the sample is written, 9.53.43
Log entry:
9.12.33
